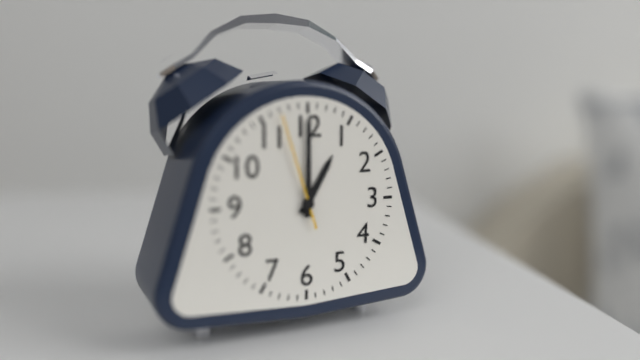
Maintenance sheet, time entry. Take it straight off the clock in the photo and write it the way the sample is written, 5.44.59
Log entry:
1.00.57
